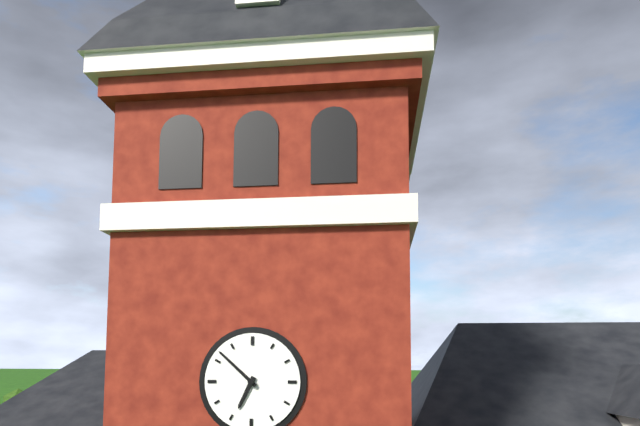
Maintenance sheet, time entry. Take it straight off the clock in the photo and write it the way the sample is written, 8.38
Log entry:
6.52
